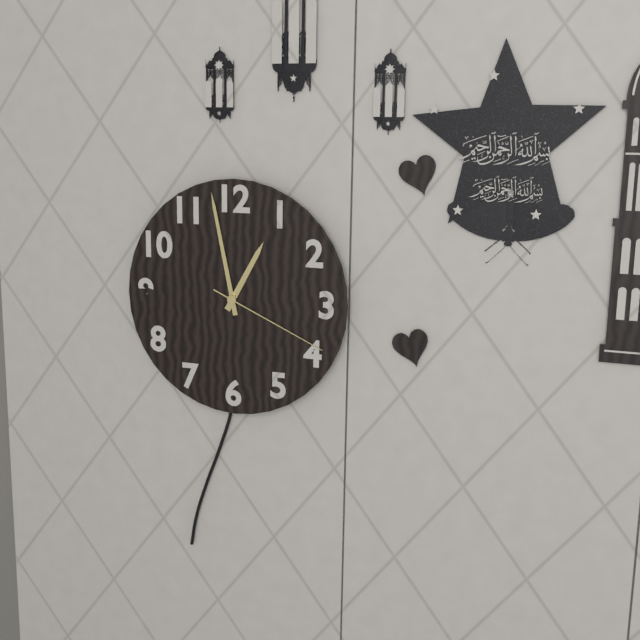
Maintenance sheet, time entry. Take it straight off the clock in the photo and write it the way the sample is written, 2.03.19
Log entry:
12.58.19
